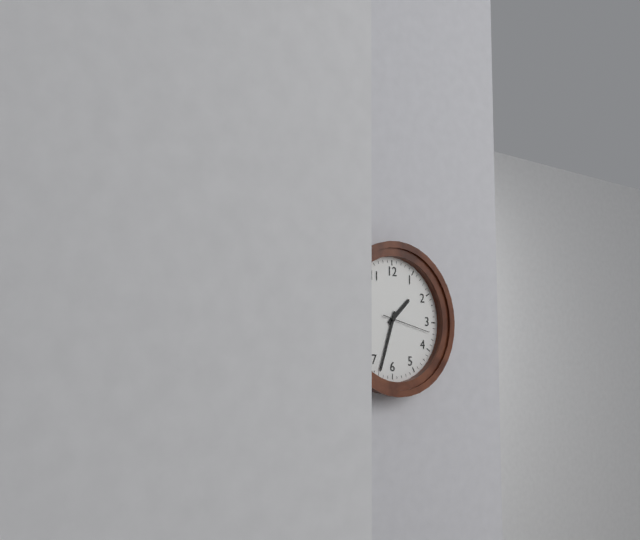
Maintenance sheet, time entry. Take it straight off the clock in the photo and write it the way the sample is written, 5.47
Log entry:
1.33
